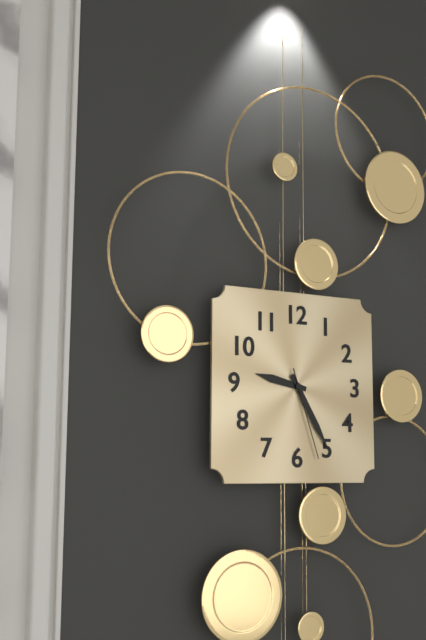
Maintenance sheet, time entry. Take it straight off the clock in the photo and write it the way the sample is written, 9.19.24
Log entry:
9.25.27
